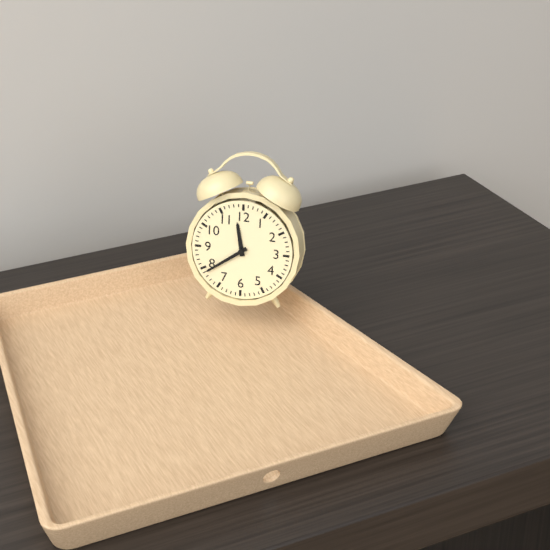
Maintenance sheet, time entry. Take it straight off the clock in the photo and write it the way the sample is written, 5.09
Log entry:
11.39
